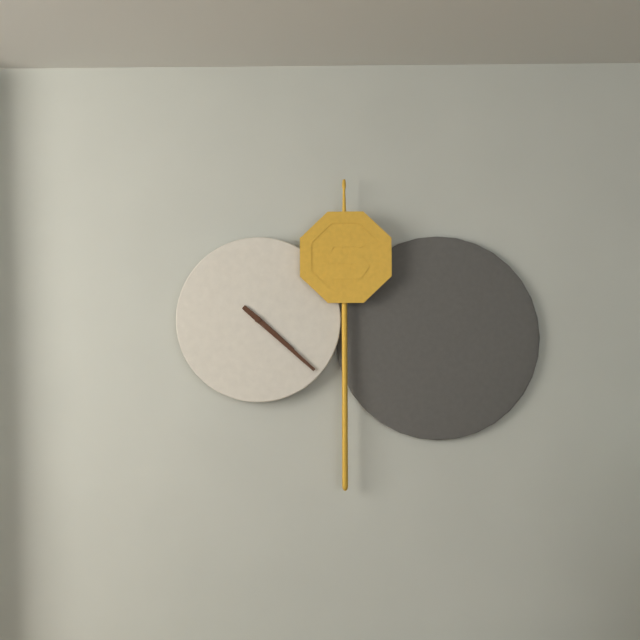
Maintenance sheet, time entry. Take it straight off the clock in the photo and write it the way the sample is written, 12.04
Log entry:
4.22
